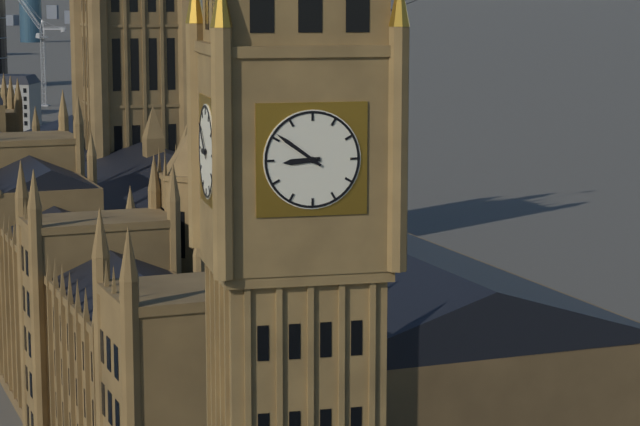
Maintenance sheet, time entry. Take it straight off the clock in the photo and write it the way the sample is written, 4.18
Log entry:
8.51
